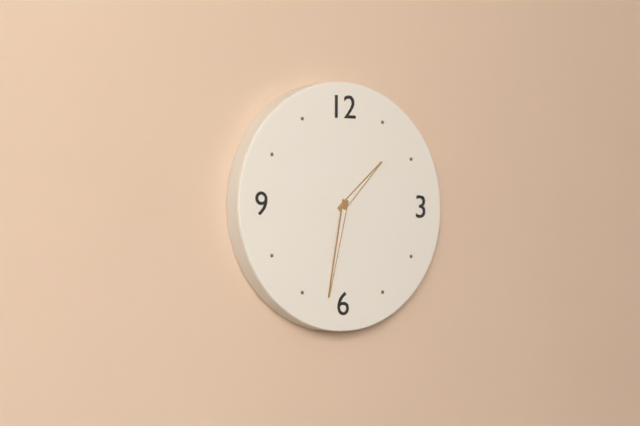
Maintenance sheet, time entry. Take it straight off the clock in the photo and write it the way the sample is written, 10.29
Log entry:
1.32
